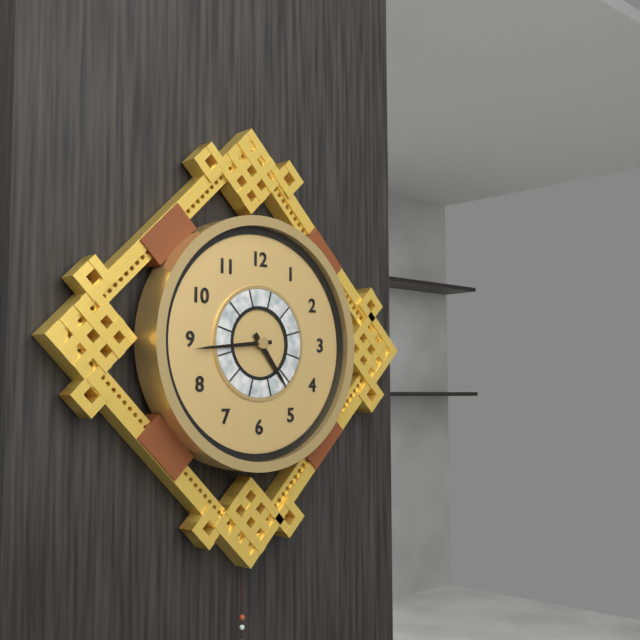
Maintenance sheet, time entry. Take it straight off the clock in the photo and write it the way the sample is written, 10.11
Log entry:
4.44
